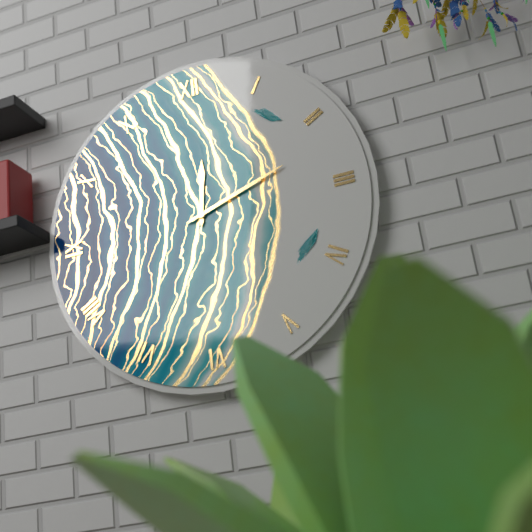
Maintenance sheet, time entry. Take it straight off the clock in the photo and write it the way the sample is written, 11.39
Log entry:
12.12
